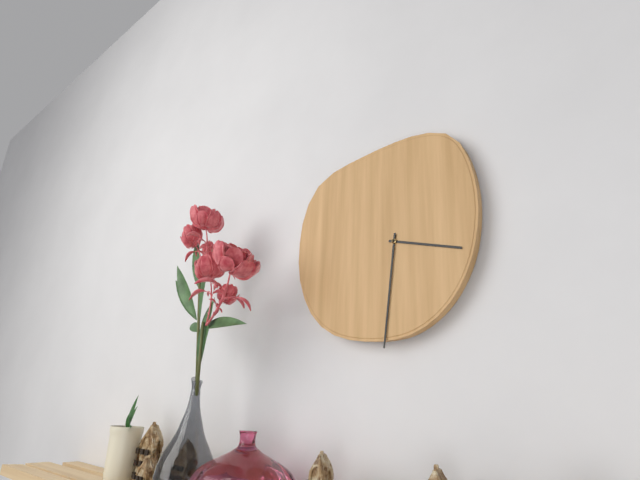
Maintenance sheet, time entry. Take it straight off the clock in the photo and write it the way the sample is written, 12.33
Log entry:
3.31
